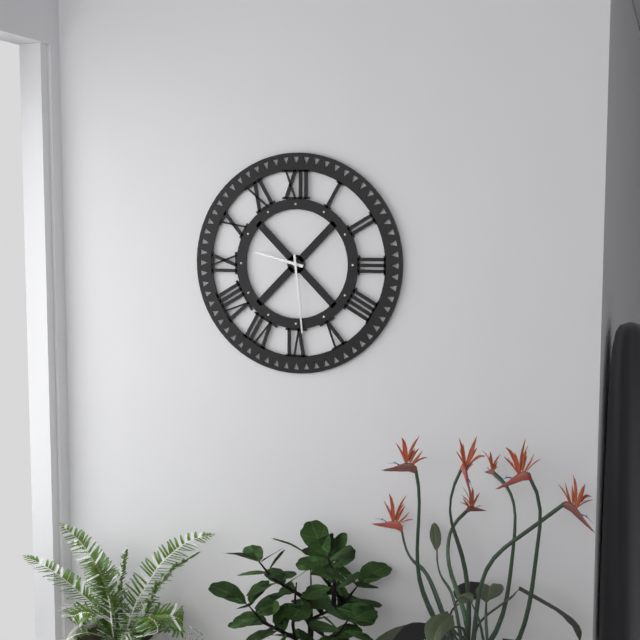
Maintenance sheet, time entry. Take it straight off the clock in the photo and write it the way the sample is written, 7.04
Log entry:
9.29
